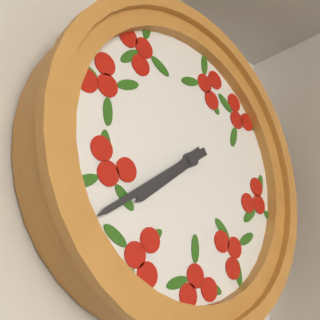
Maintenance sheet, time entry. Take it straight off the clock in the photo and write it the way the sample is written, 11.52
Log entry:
7.39
